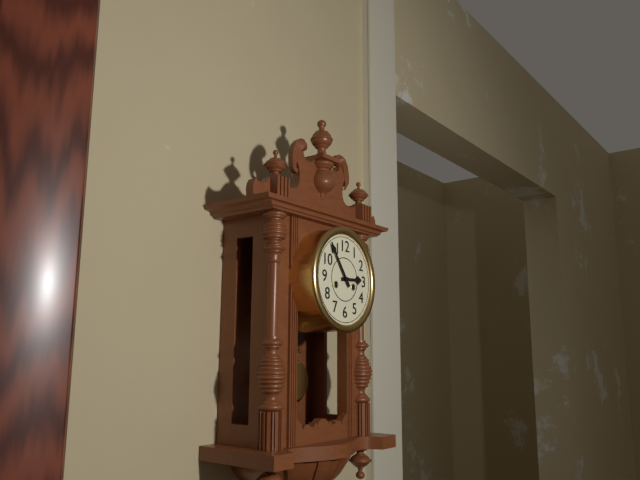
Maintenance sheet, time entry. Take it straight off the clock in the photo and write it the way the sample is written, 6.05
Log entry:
2.54
